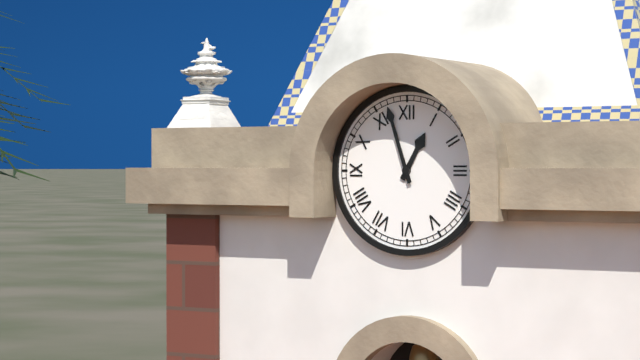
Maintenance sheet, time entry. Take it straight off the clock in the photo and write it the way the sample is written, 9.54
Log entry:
12.57
